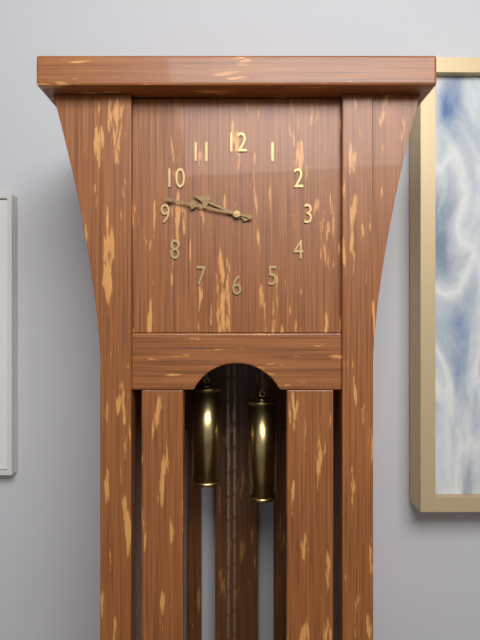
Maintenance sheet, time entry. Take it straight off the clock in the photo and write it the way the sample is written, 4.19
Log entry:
9.47
